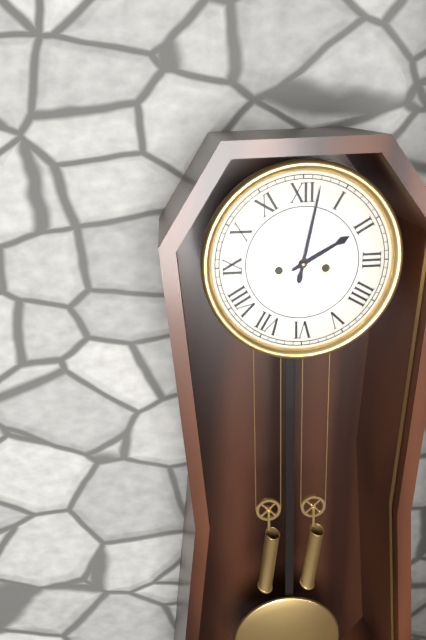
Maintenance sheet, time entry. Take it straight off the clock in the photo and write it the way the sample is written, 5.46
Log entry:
2.02
